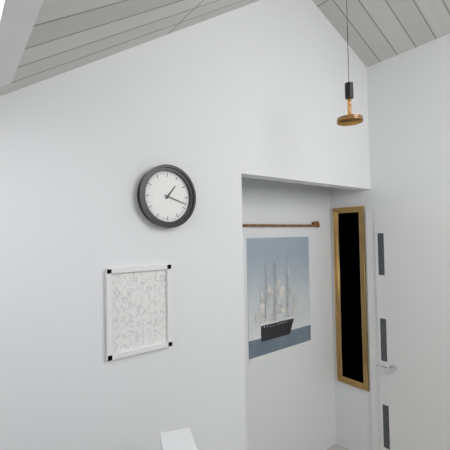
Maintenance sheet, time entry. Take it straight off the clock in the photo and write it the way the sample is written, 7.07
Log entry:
1.18
